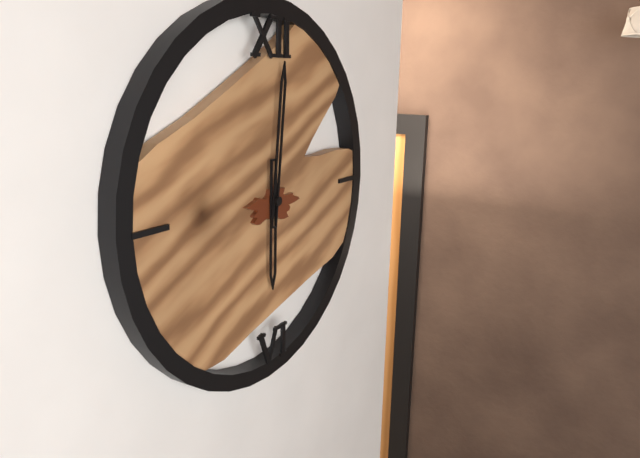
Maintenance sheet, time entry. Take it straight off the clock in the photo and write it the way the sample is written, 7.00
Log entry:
6.01
